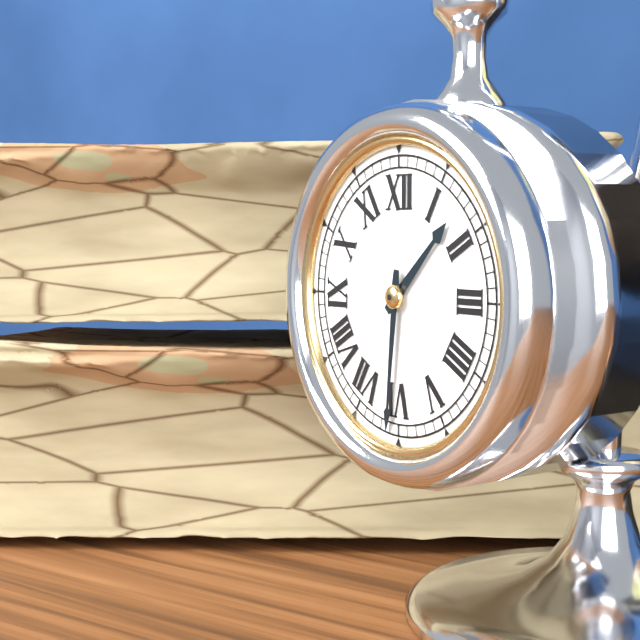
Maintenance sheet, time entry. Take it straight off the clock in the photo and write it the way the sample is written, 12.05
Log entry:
1.31
